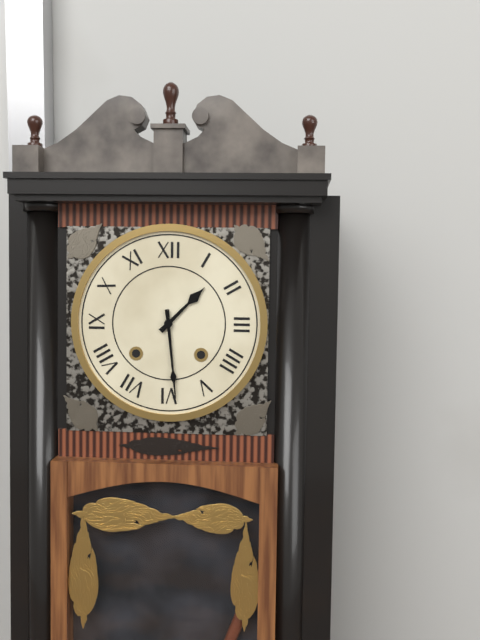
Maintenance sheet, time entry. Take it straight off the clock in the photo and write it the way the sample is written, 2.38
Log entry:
1.29
